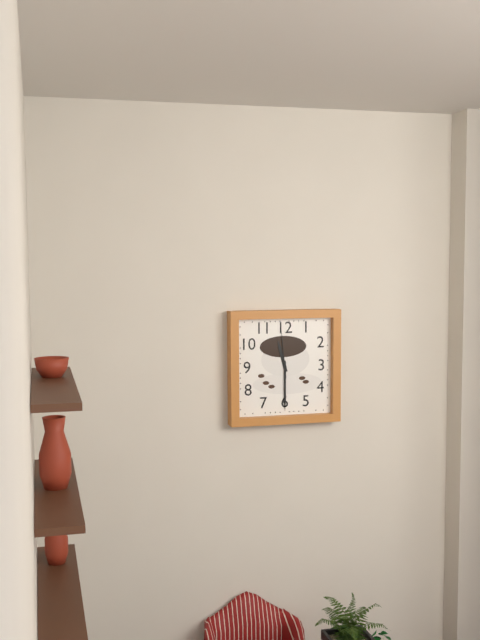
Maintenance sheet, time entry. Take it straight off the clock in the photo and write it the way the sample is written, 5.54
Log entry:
11.30
